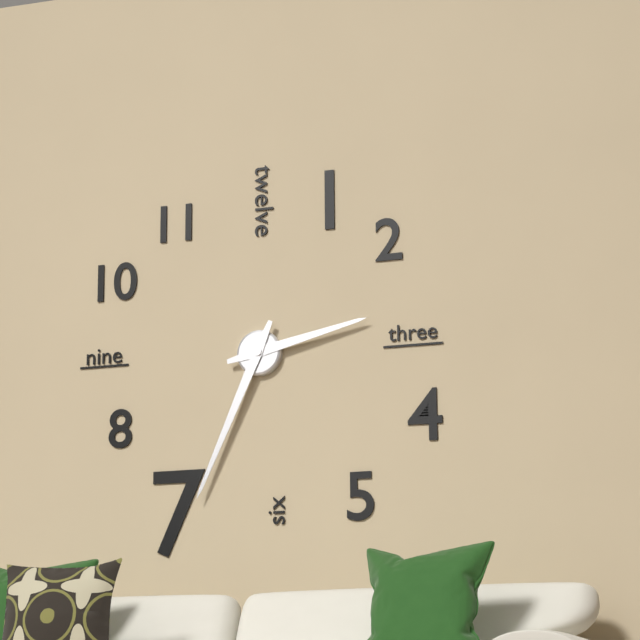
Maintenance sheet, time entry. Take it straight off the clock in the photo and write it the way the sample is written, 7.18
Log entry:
2.34
